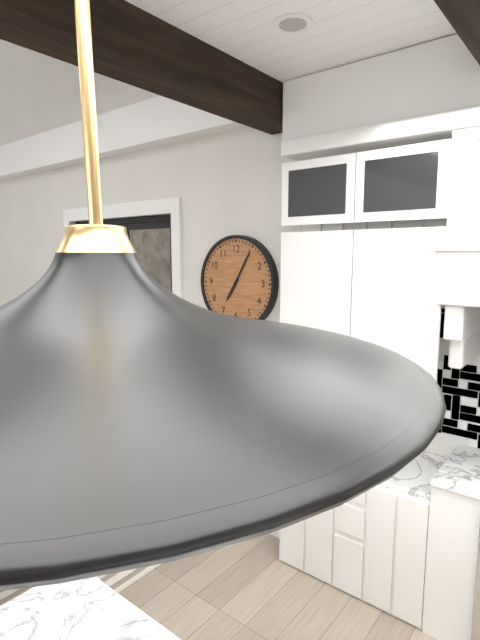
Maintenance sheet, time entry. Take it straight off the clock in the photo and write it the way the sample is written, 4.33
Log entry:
7.05
